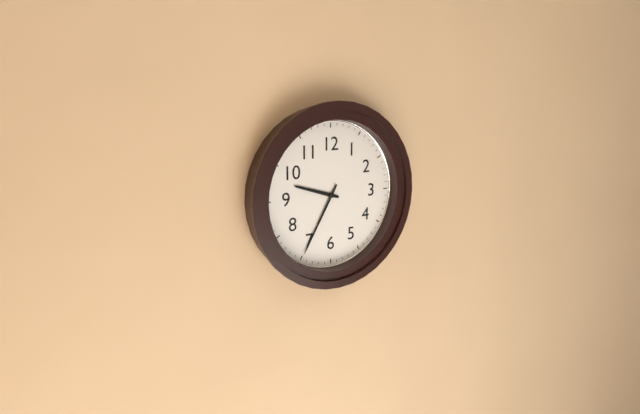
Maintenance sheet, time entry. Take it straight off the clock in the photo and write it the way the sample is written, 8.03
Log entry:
9.35
